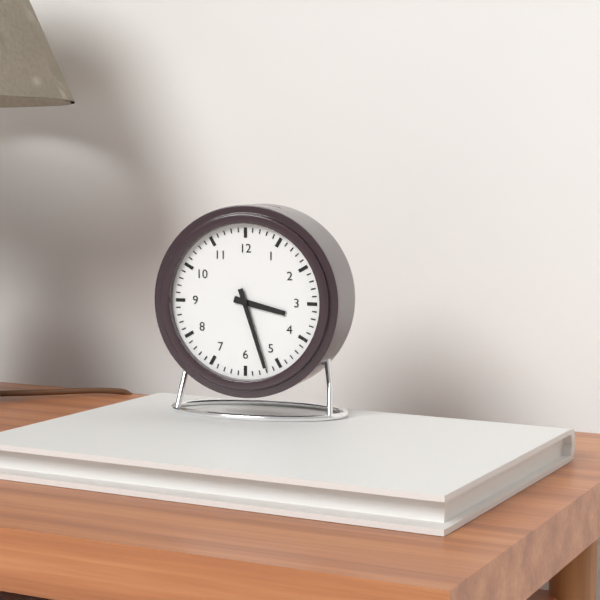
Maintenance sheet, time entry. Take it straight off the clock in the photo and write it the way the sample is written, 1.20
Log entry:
3.27
